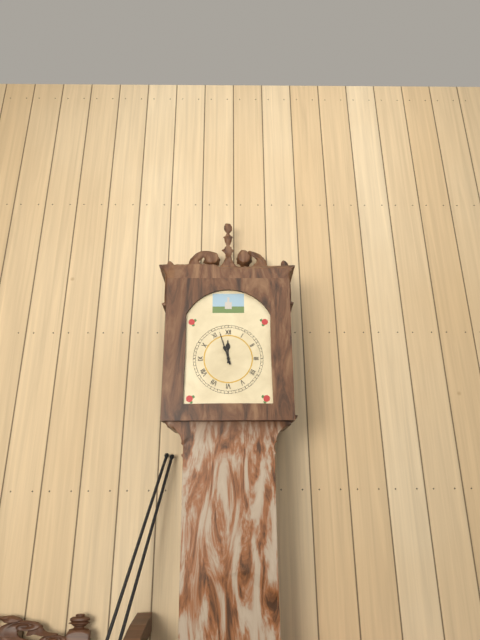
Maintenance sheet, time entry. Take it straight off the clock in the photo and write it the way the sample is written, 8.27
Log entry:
11.57
